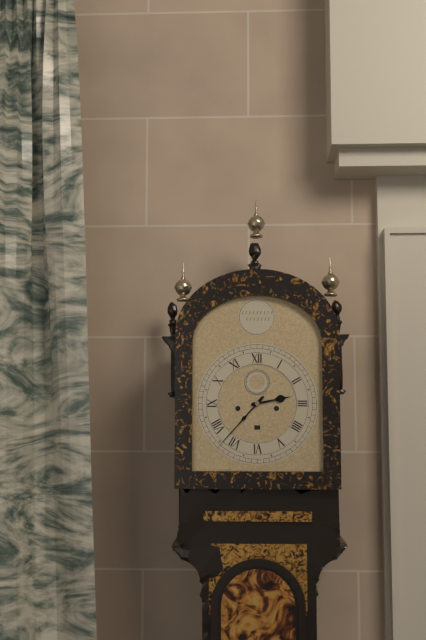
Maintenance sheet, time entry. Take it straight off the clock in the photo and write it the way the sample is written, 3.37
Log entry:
2.37
